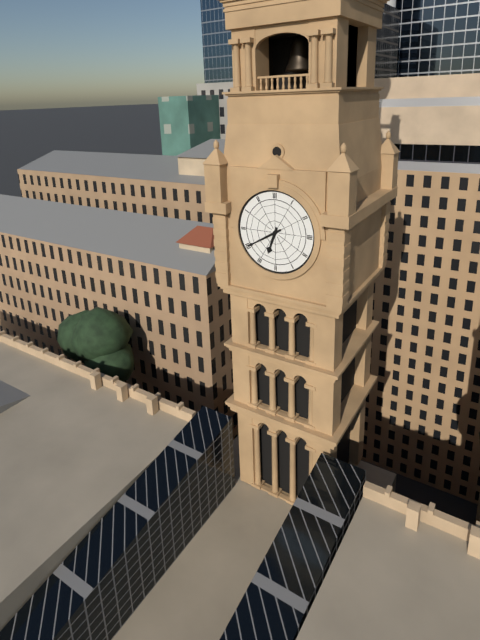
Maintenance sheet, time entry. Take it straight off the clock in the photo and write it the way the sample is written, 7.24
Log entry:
6.40
